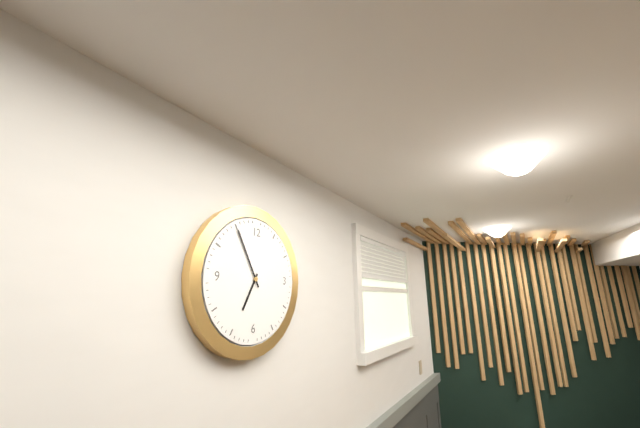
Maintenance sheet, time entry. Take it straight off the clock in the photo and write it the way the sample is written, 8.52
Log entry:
6.55
